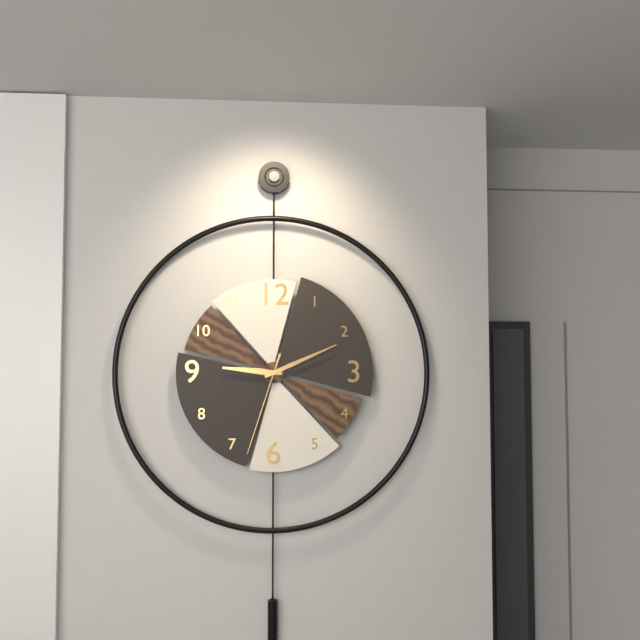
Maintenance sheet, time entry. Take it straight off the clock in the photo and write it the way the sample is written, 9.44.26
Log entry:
9.11.33
